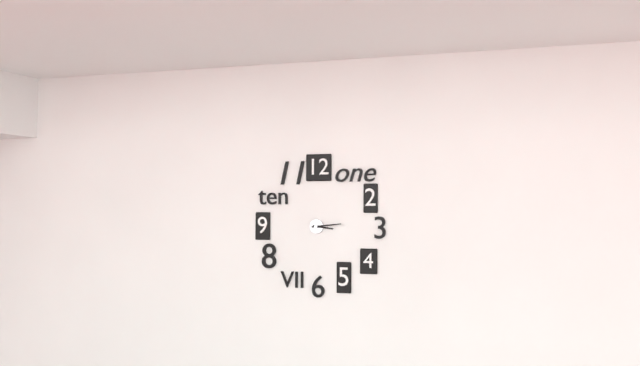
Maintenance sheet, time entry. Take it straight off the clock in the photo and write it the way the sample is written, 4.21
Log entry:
3.14
